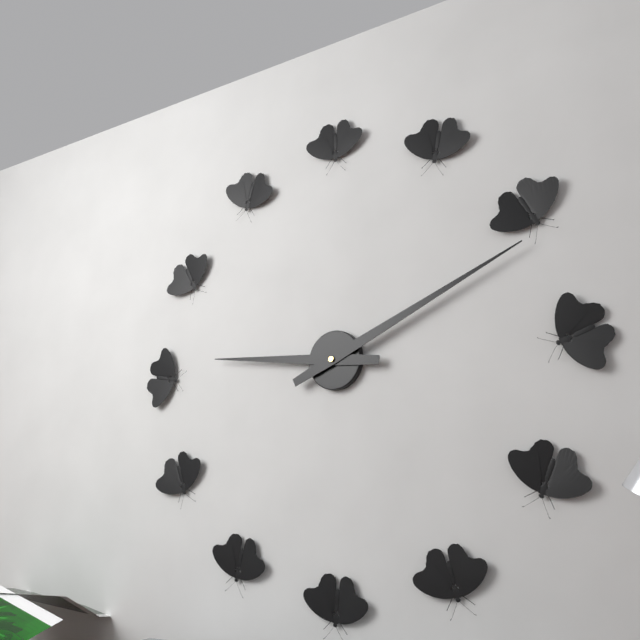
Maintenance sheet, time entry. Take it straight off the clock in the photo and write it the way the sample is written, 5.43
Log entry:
9.11
